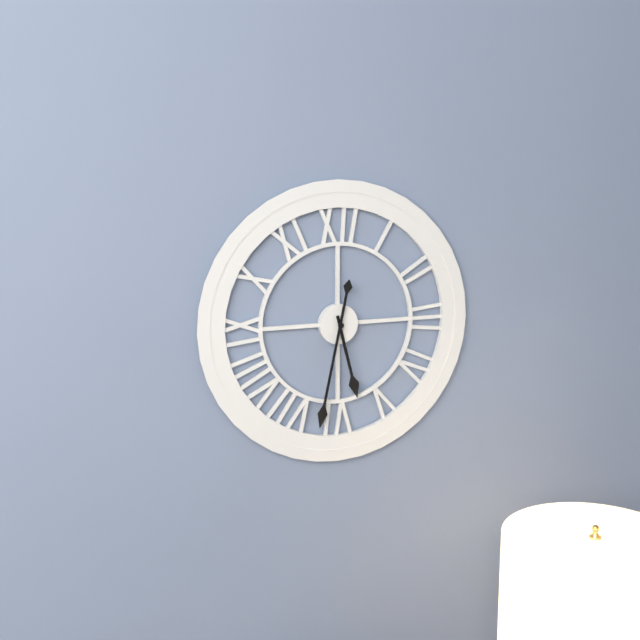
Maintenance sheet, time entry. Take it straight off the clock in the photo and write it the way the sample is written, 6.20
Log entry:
5.32
